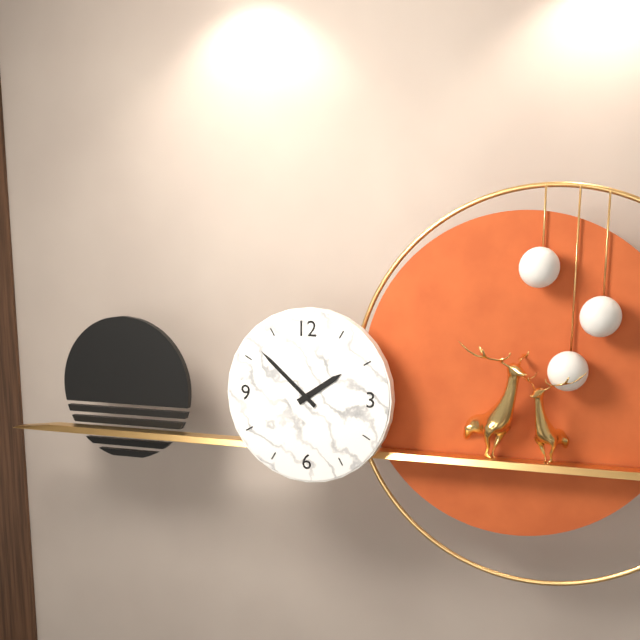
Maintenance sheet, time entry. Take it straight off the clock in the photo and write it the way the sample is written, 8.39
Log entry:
1.52
